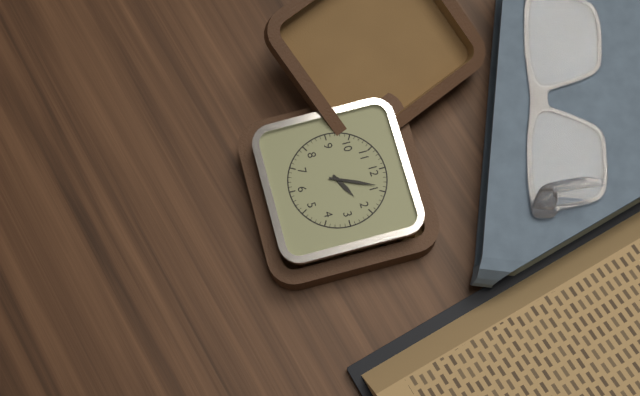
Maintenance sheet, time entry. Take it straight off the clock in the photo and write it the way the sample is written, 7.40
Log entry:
2.04
